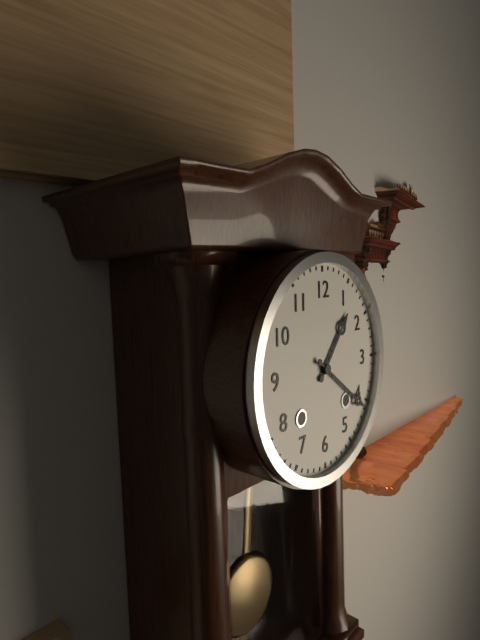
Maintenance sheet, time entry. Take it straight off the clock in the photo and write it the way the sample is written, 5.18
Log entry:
1.21
